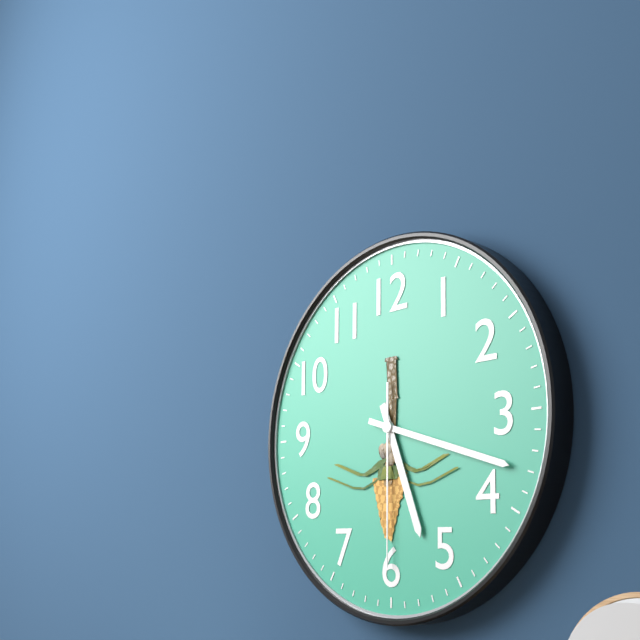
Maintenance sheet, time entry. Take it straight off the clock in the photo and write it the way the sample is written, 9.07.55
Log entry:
5.18.30
